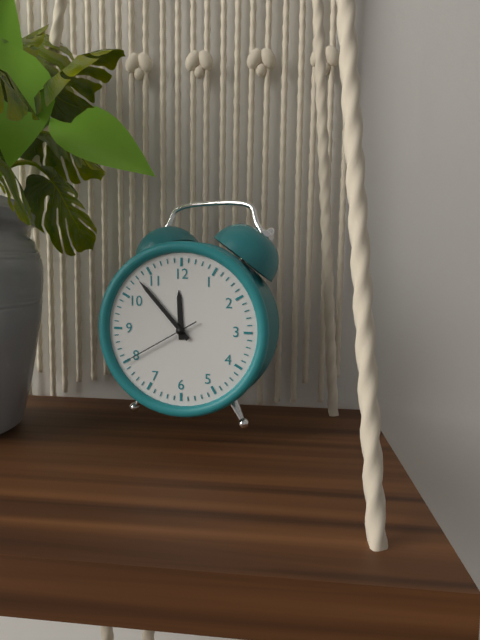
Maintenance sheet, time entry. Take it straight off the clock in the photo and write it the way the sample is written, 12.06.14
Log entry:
11.53.40
